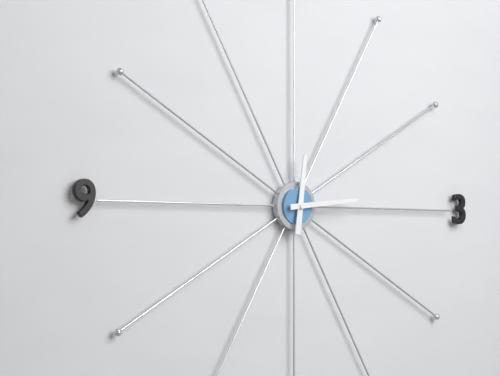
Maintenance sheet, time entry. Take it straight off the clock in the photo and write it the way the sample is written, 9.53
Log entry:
12.14
